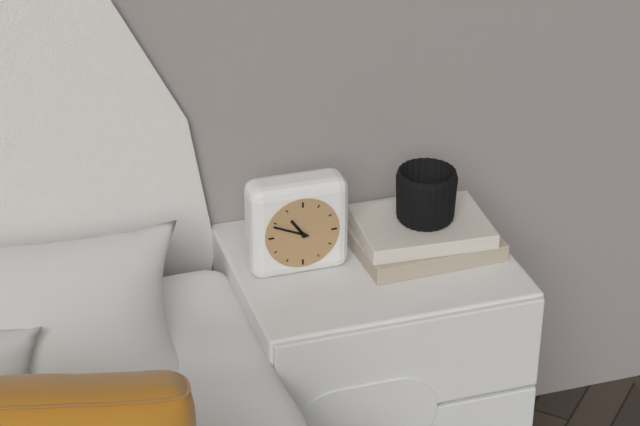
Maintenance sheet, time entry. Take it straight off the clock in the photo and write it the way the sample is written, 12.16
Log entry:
10.49
